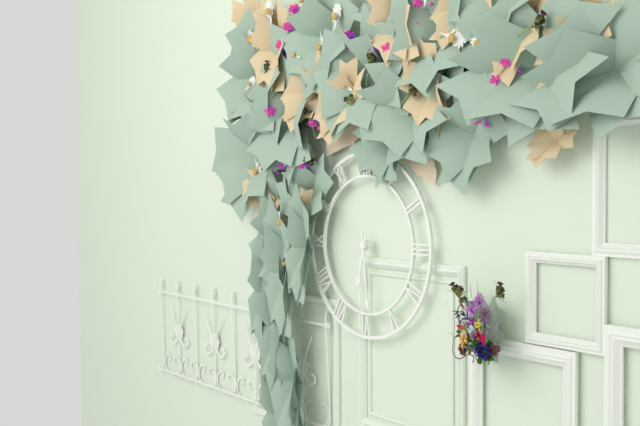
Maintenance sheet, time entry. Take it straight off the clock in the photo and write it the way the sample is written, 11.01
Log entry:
6.29
